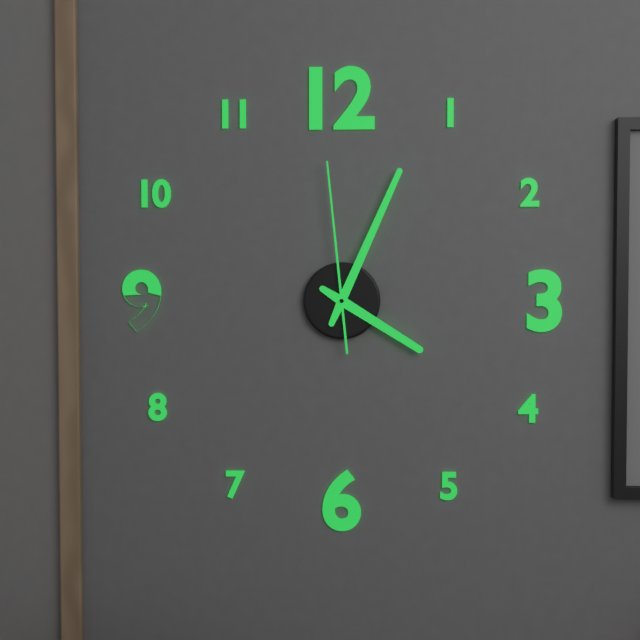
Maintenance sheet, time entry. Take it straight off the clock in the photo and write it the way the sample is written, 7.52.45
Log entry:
4.04.59
